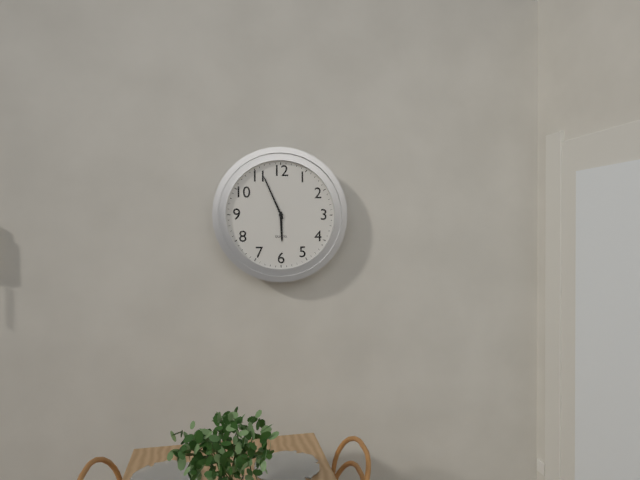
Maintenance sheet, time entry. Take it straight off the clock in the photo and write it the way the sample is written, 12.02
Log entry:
5.56
